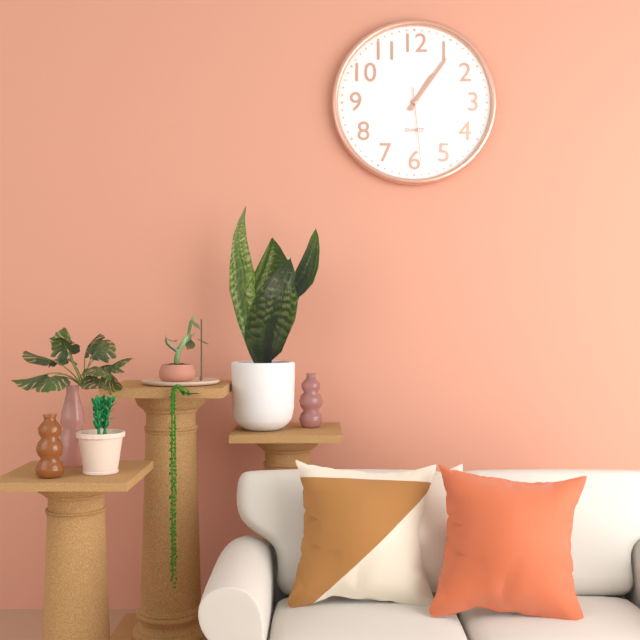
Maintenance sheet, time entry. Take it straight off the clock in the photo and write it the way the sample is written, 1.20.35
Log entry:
1.06.29
